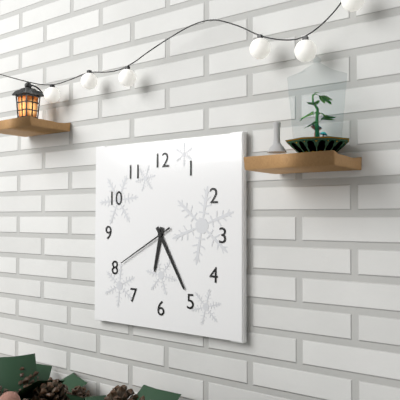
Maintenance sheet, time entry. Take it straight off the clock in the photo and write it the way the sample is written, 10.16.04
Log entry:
6.25.40
